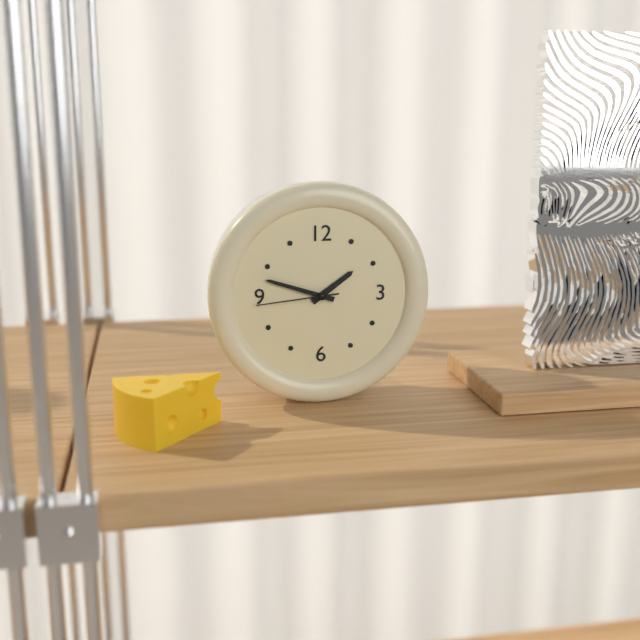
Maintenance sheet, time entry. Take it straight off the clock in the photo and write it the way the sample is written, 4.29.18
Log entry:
1.48.44
